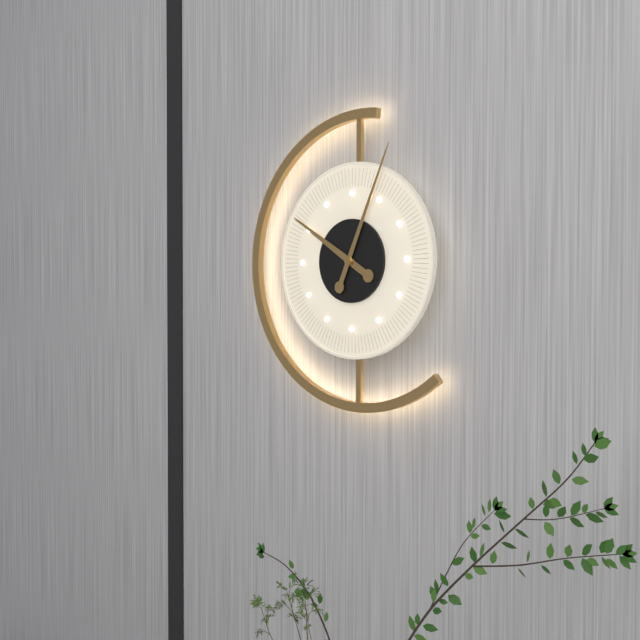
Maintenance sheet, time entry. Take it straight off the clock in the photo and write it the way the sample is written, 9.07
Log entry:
10.04
